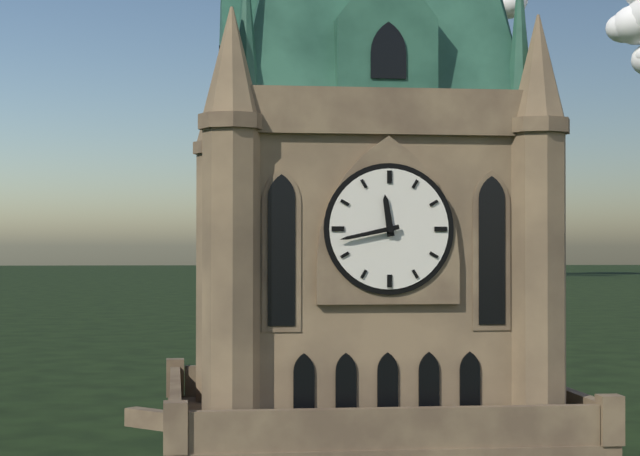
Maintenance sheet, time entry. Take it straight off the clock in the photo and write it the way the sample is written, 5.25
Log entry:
11.43
